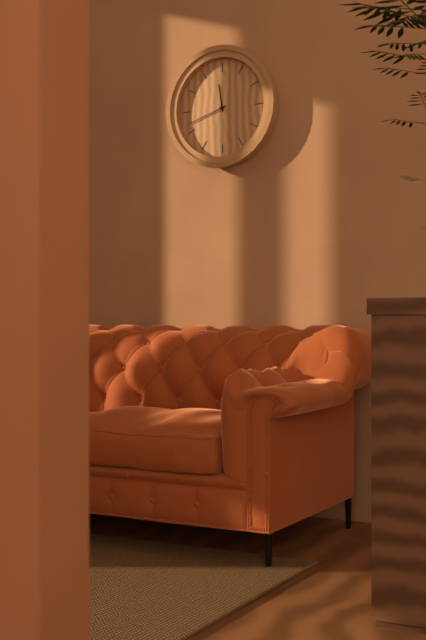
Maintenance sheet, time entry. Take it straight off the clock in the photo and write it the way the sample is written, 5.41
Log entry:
11.42
